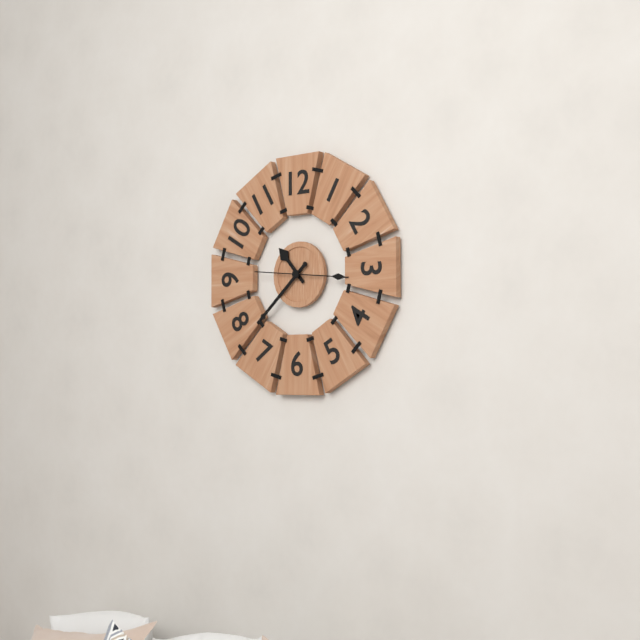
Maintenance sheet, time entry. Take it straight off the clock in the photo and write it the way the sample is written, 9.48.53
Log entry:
10.38.16
